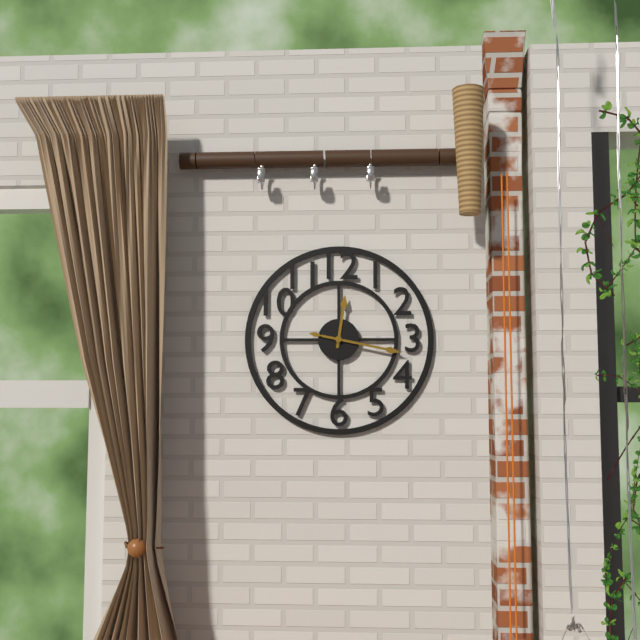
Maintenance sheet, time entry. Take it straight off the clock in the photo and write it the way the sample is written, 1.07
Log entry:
12.17
